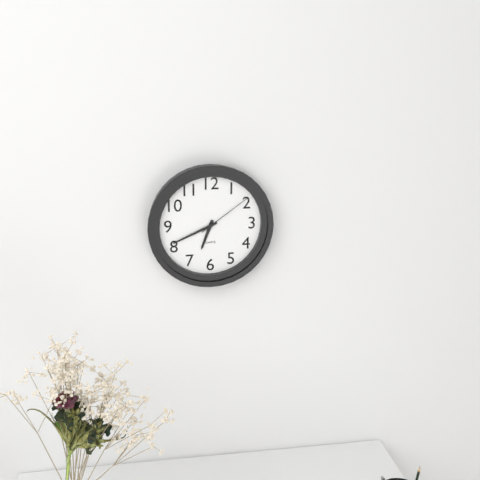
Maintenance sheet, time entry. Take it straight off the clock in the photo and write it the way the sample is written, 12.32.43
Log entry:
6.41.09
